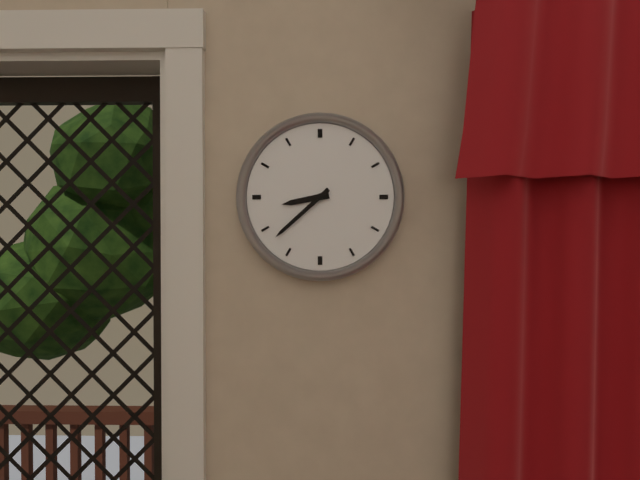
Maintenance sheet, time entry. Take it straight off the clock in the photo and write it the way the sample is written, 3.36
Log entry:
8.38
